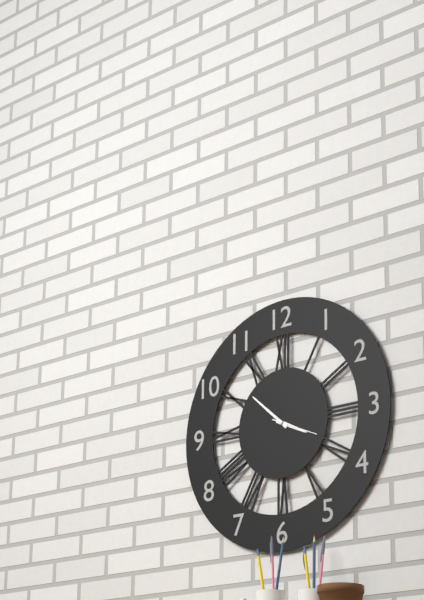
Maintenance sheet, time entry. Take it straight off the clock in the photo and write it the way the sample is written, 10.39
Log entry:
3.52
